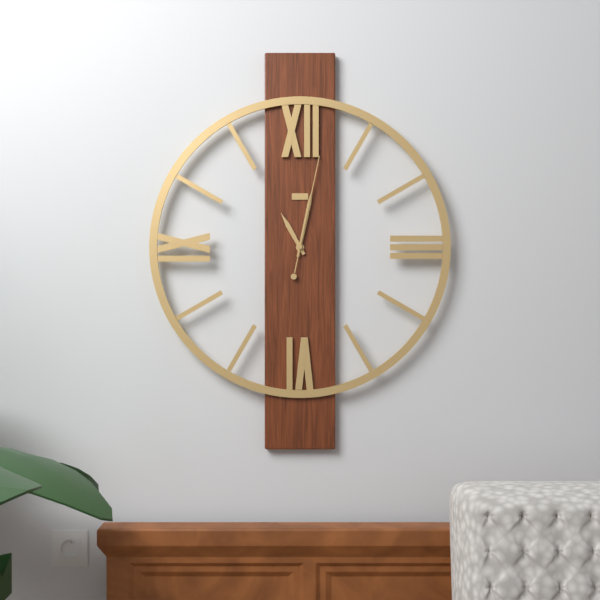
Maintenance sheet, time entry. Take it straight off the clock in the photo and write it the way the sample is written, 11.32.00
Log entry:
11.02.02
